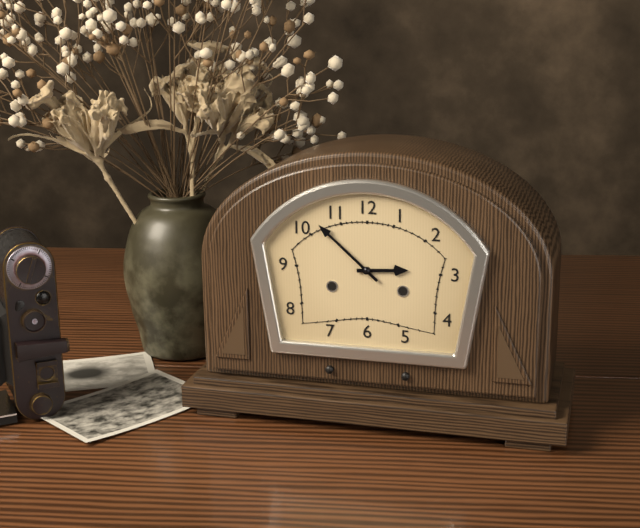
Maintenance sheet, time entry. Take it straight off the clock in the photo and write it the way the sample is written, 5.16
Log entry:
2.52
